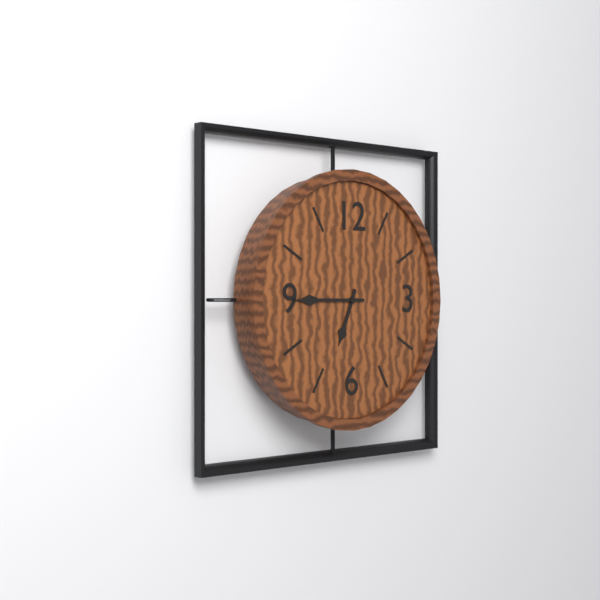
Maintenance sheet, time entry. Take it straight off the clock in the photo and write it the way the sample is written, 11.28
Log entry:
6.45
